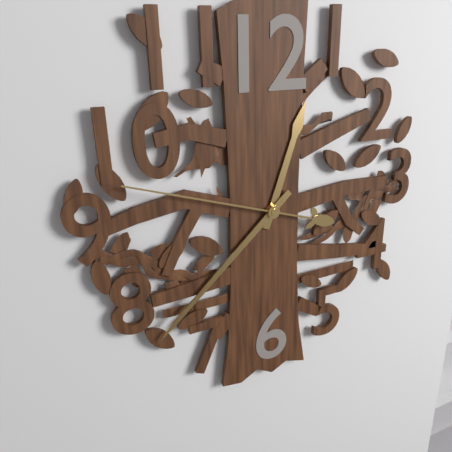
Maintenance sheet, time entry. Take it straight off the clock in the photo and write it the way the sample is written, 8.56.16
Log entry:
12.38.48
